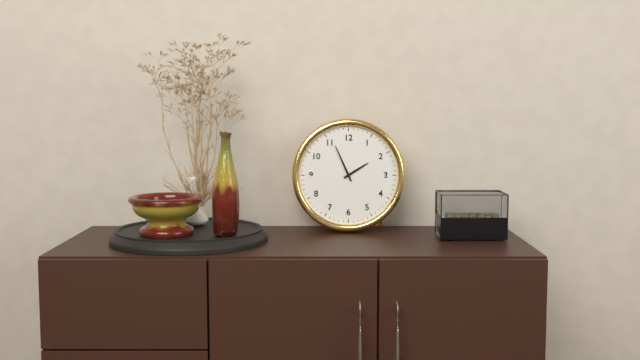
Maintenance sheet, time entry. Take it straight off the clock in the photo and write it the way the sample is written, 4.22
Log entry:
1.56
